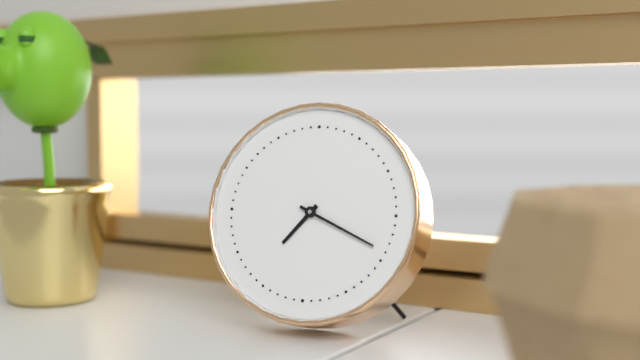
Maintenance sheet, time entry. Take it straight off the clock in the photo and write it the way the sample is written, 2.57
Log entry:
7.19
